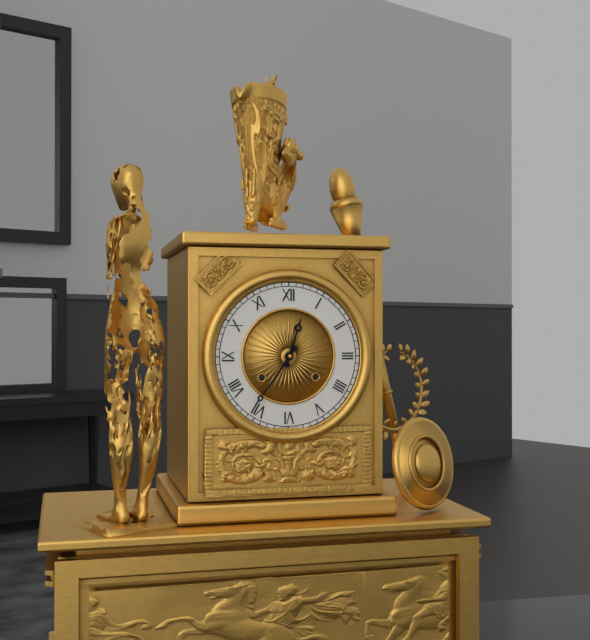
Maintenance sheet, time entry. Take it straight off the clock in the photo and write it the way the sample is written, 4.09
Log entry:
12.36
